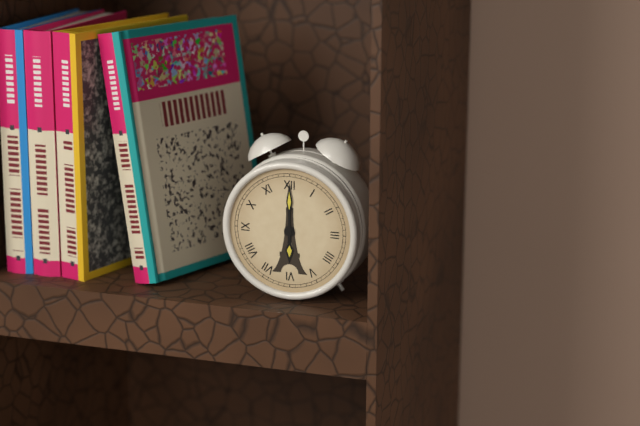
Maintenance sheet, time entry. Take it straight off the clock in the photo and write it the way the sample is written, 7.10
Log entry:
6.00
